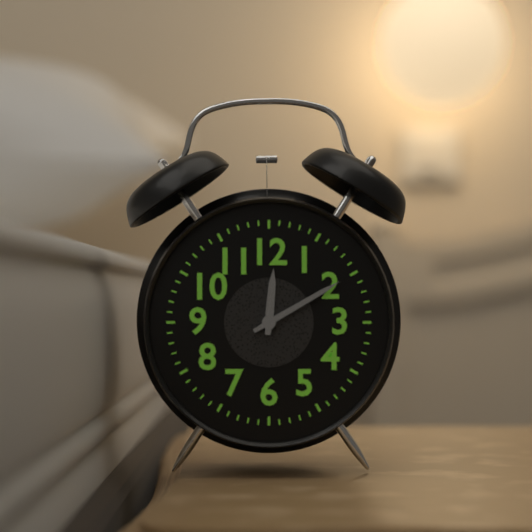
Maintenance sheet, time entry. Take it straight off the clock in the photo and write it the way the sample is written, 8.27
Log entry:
12.10
